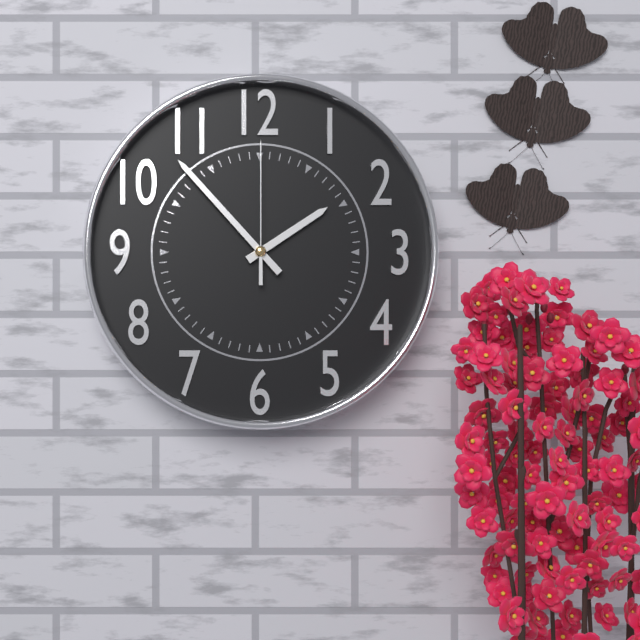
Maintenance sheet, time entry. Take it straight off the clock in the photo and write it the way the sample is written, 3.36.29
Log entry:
1.53.00
